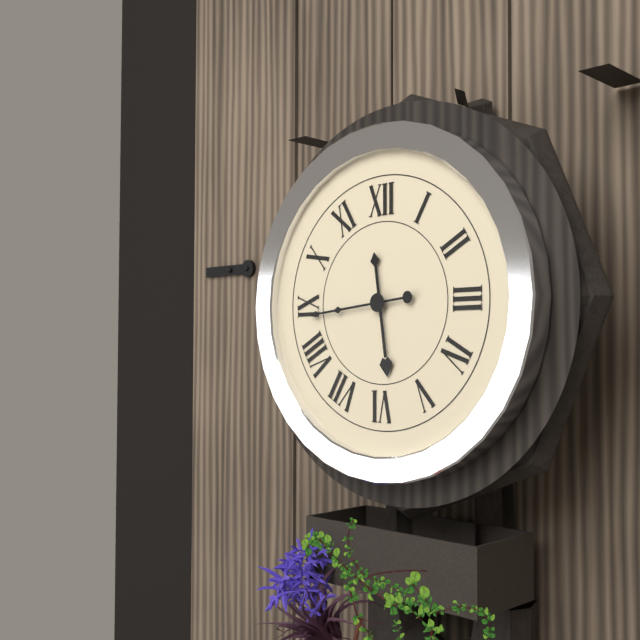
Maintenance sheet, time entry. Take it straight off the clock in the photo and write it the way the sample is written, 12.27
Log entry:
5.44
